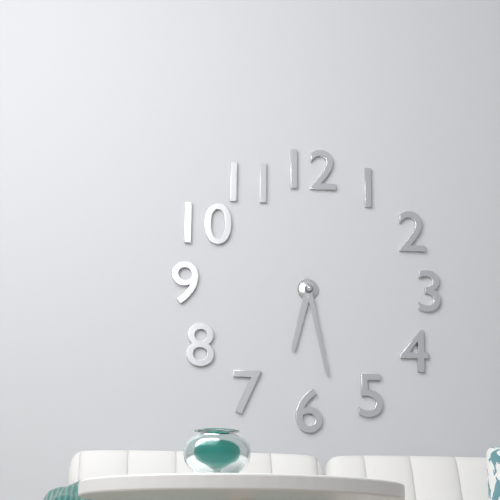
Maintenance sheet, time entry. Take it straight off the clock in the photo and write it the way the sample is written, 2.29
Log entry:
6.28
